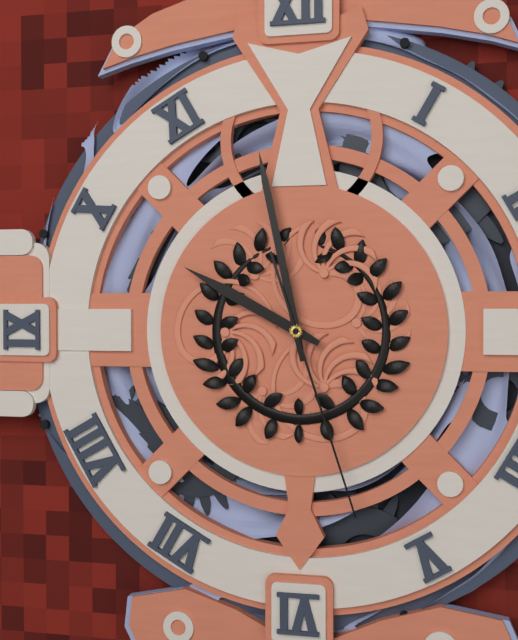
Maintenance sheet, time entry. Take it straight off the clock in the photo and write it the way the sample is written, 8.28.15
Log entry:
9.58.27
